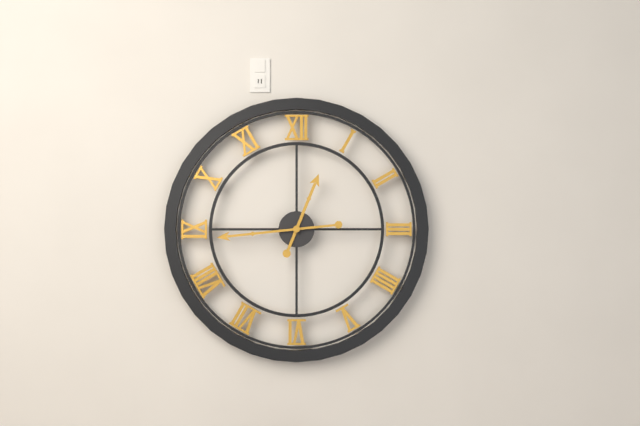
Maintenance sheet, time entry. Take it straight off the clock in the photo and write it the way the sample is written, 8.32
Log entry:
12.44
